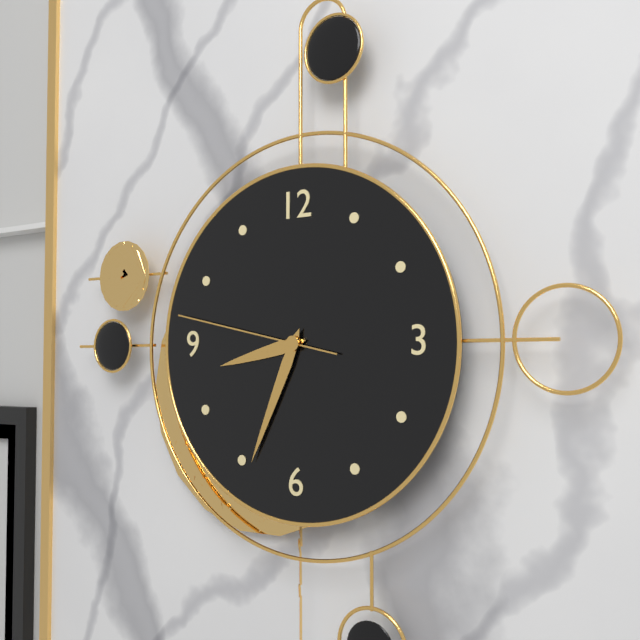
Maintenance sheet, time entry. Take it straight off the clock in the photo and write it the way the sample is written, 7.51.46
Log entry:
8.34.47
